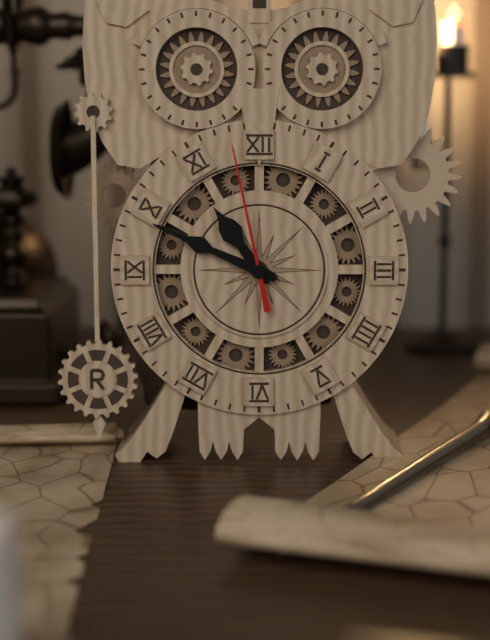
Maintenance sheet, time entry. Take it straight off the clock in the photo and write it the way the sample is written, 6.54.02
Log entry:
10.49.58
